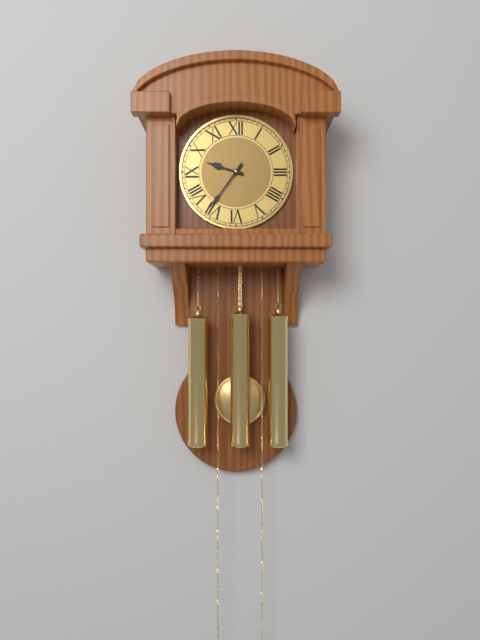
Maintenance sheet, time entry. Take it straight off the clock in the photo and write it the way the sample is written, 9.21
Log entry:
9.36
